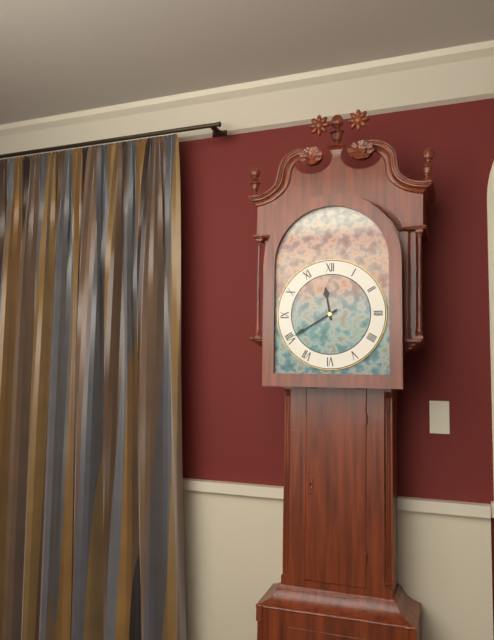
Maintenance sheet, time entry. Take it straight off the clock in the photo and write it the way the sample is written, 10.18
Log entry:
11.40
